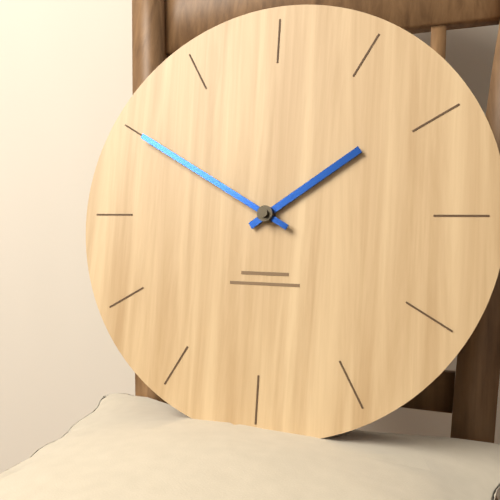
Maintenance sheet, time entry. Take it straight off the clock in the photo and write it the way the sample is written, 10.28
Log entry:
1.50
